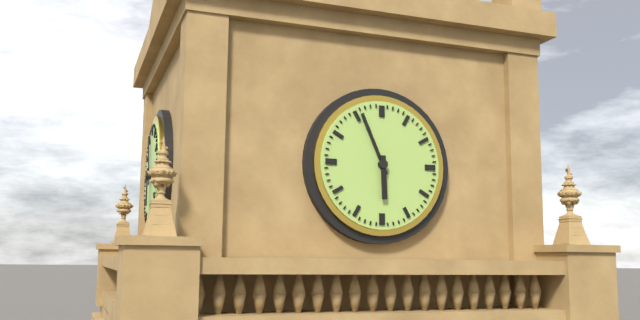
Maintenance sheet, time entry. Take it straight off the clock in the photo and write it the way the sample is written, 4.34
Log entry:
5.56
